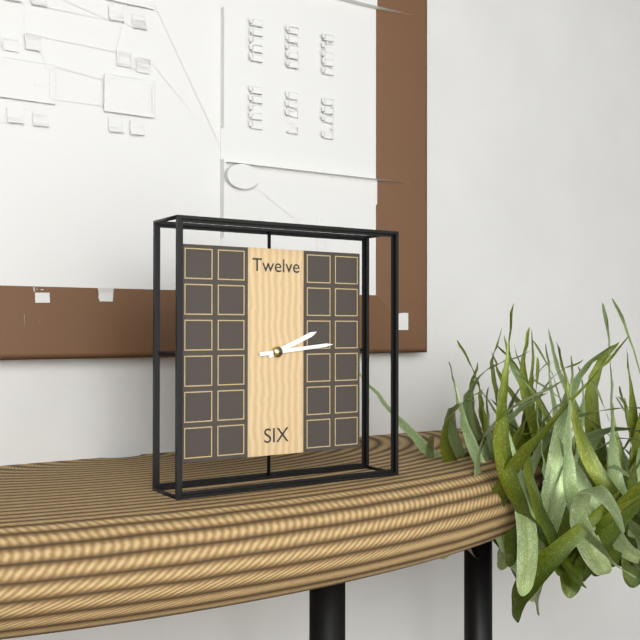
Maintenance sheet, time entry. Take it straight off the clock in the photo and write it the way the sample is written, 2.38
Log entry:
2.14
